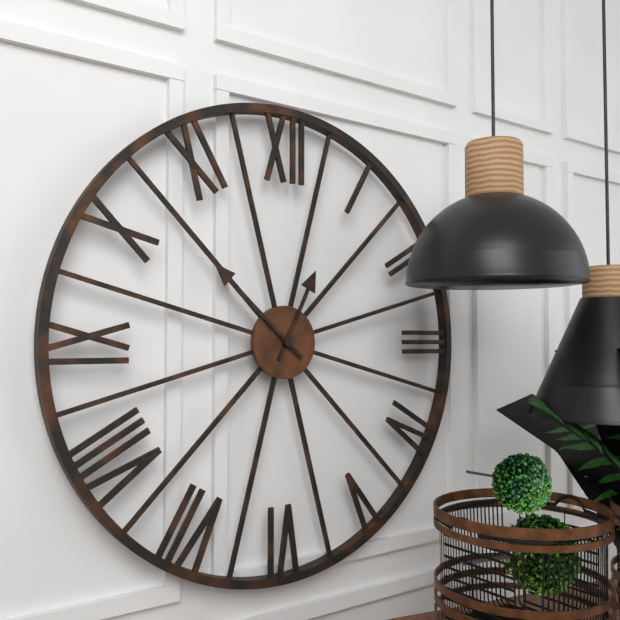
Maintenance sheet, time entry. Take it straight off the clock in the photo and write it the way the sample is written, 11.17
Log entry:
12.52
